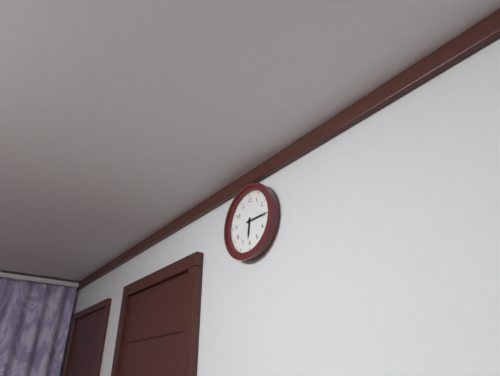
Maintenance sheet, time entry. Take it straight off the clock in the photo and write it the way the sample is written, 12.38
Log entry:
6.15
